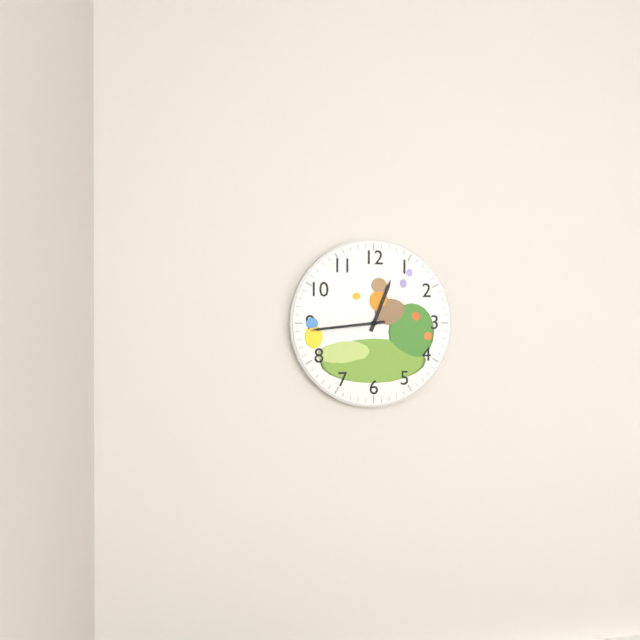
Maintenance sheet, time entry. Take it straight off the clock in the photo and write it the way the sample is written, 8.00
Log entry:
12.44
